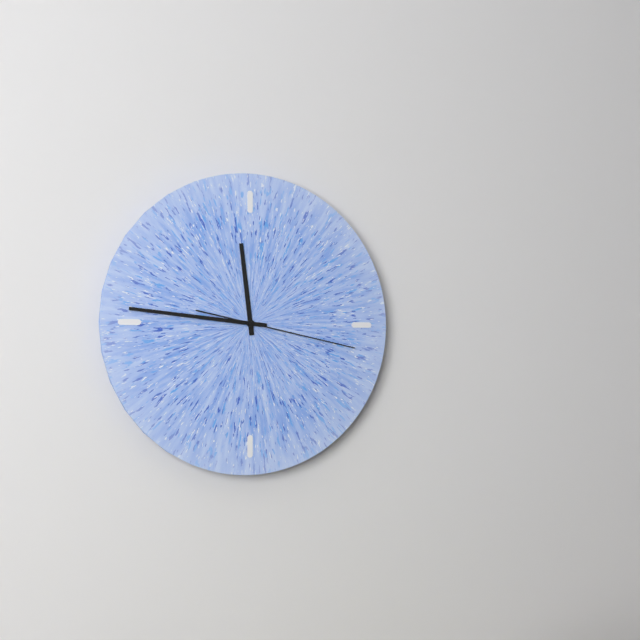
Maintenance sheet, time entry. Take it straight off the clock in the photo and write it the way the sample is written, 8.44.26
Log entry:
11.46.17
